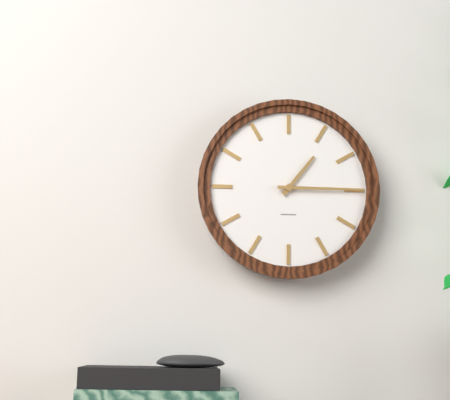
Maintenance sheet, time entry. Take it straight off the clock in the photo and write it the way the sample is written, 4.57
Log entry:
1.15
